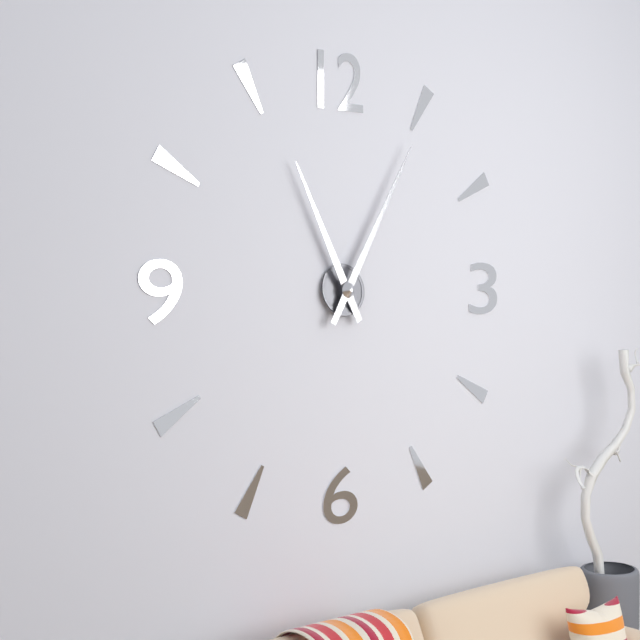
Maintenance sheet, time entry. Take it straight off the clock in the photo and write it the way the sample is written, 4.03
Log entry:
11.05
